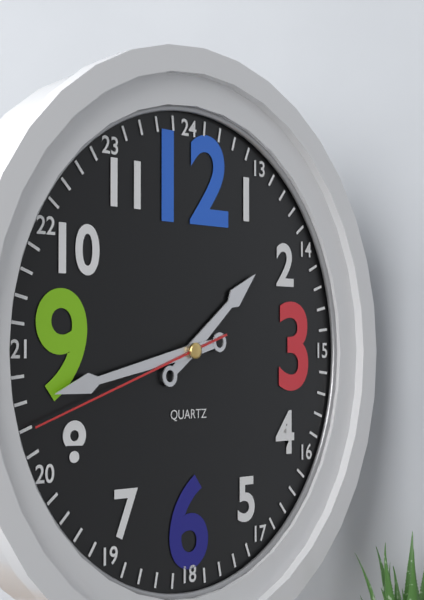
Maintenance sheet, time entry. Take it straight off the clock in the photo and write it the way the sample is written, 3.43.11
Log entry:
1.43.42
